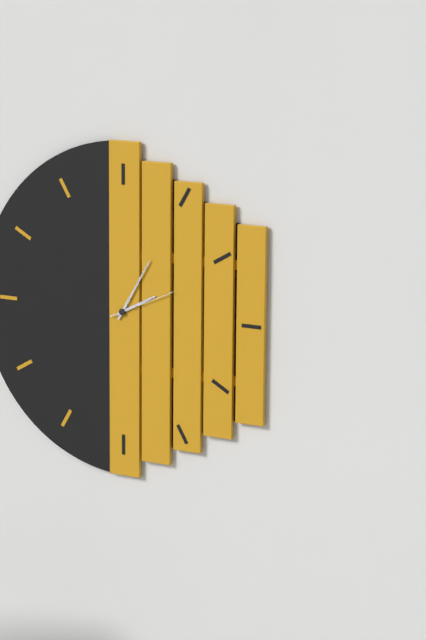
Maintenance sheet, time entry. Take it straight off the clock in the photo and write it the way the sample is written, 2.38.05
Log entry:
2.05.11
